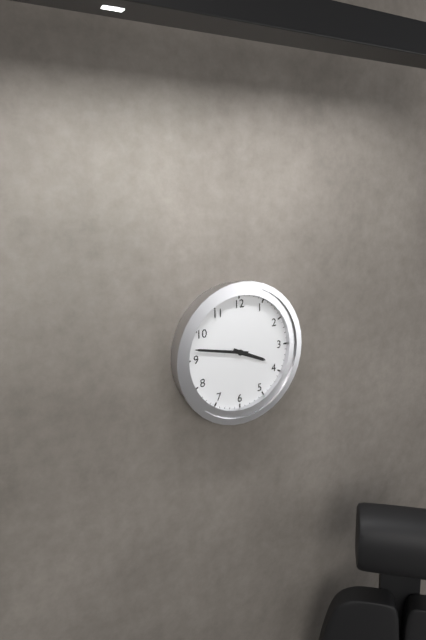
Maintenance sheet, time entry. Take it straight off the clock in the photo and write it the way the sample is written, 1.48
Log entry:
3.47
